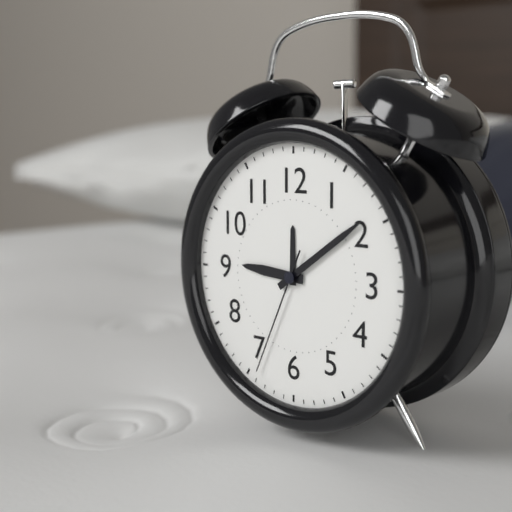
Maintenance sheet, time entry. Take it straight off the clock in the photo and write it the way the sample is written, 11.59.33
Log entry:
9.09.34
